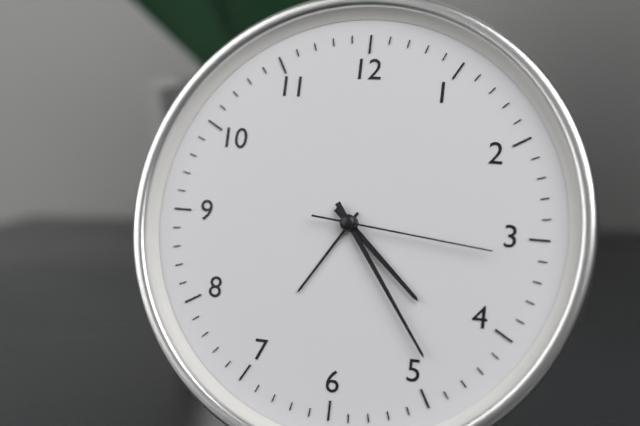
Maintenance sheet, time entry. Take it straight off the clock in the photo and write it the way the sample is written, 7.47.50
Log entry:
4.24.16
